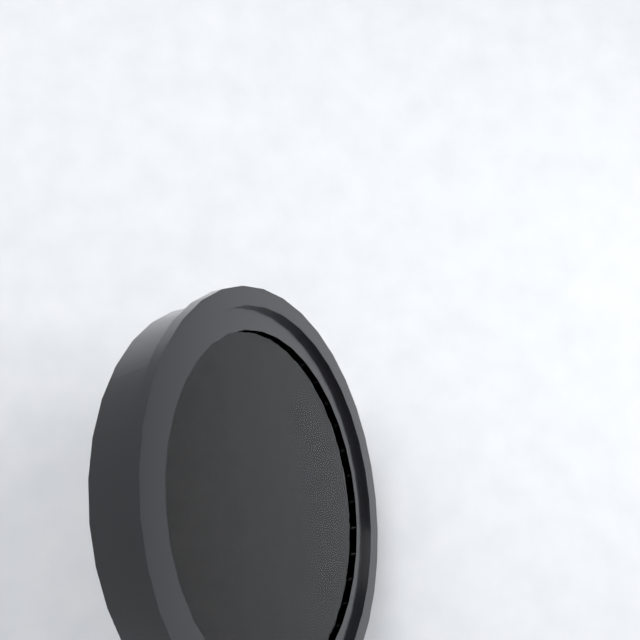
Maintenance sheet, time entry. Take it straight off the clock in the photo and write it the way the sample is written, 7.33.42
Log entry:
7.22.25
